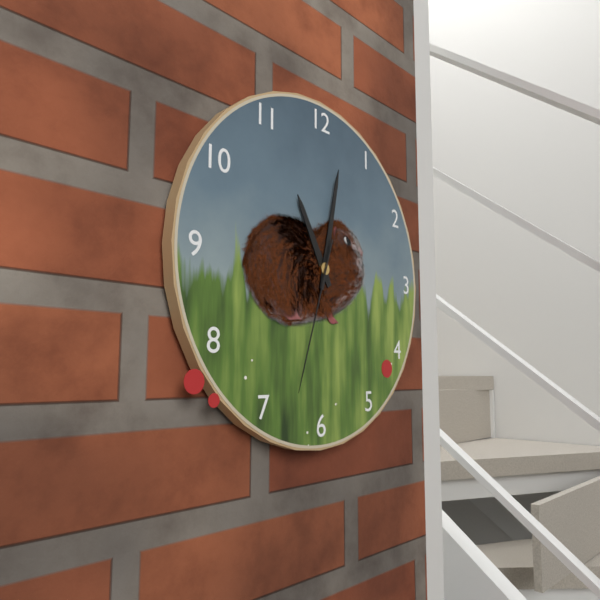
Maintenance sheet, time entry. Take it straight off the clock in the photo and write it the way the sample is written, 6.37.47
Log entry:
11.02.33
